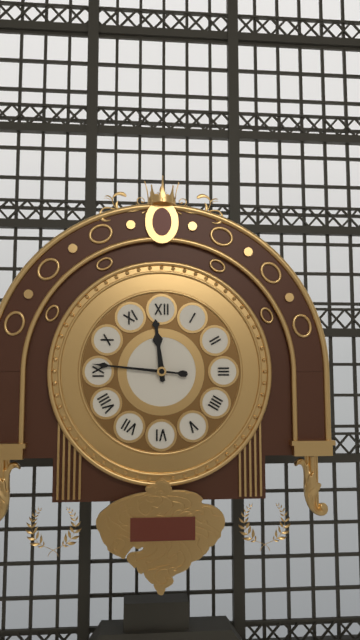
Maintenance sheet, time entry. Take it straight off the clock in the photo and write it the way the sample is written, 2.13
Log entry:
11.46
